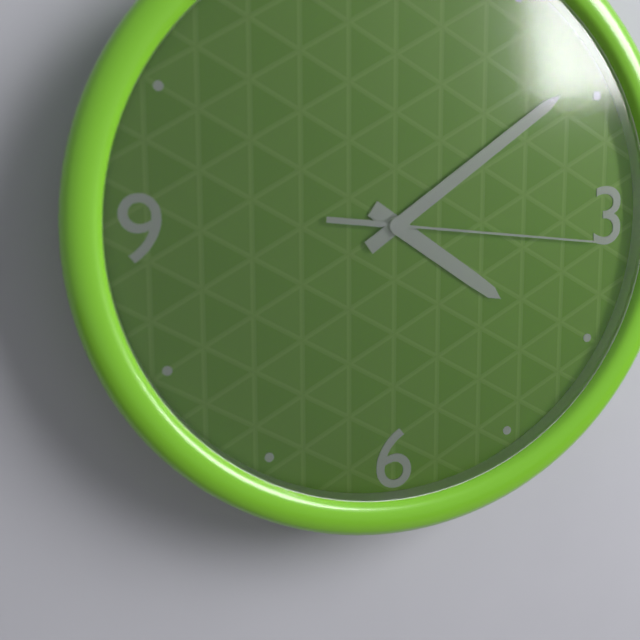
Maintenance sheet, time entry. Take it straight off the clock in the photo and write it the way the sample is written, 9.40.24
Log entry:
4.09.16
